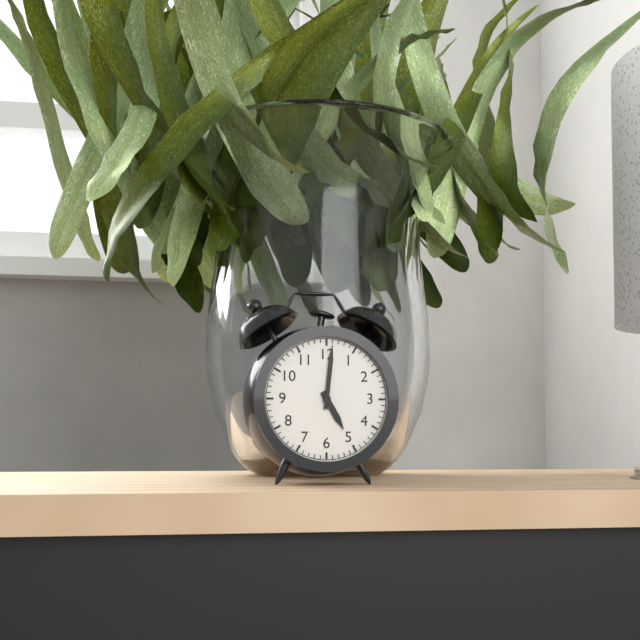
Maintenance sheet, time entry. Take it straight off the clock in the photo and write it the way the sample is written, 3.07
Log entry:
5.01
